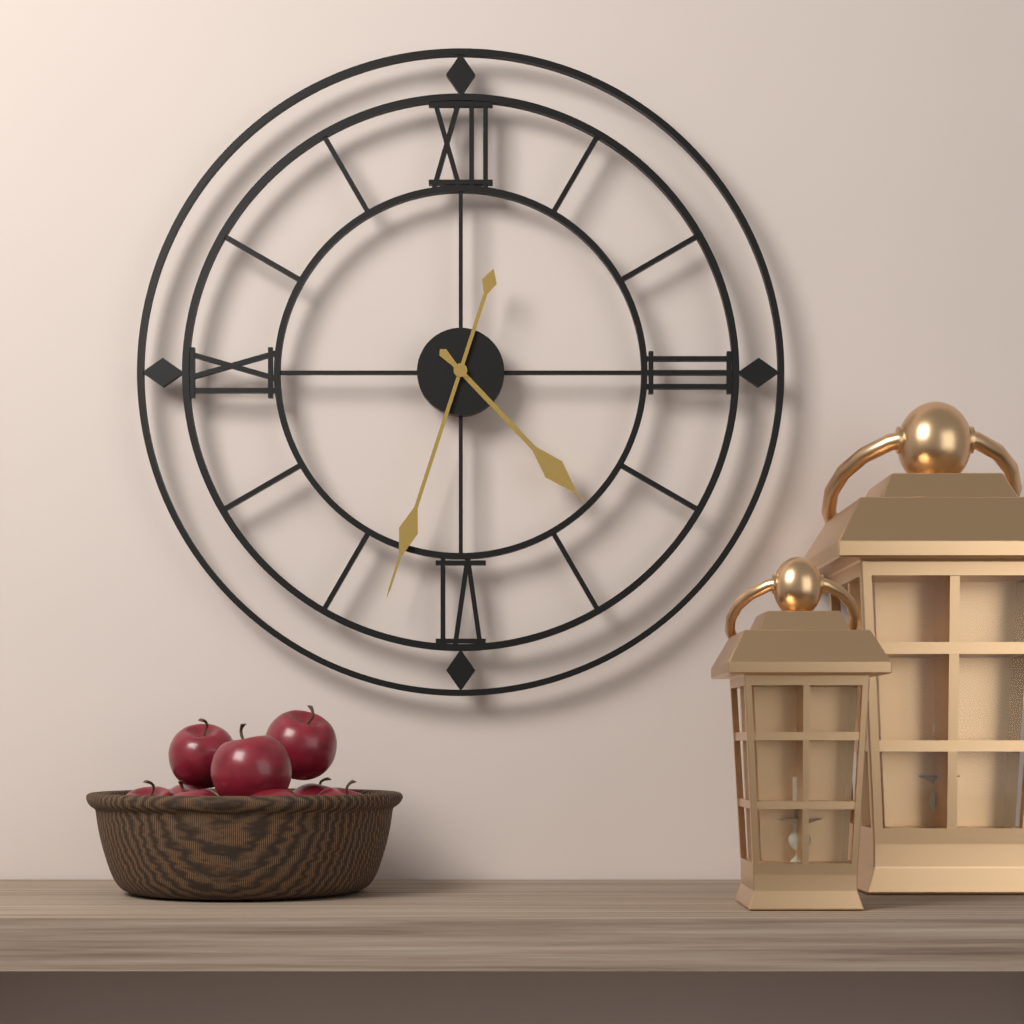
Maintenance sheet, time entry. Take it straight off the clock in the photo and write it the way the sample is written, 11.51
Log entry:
4.33
